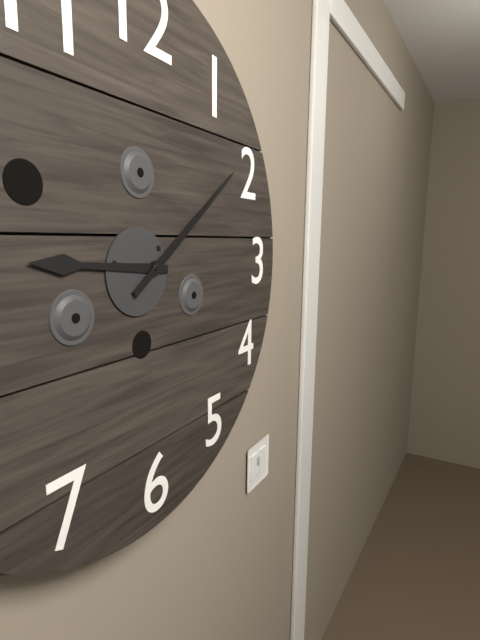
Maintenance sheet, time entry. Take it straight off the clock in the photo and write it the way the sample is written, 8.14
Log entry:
9.09
